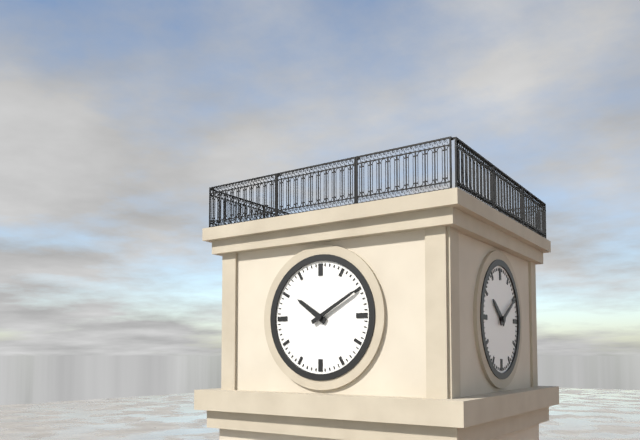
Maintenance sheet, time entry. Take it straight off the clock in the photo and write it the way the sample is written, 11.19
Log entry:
10.10
